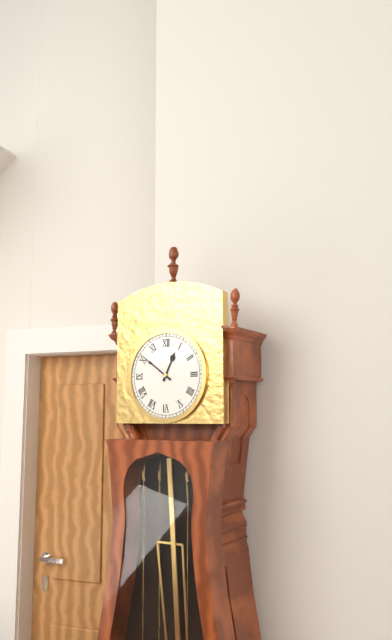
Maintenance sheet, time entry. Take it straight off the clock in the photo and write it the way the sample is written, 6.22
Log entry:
12.51
